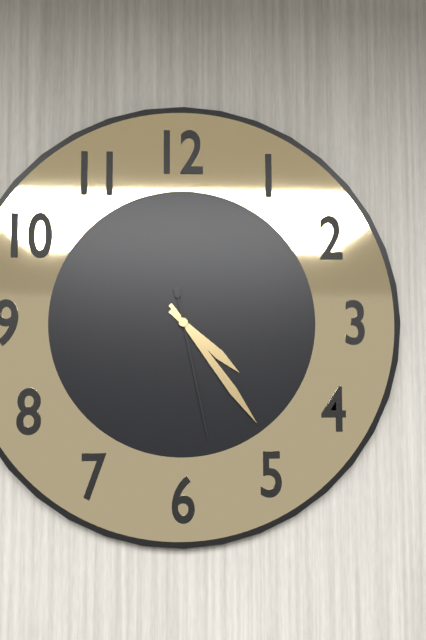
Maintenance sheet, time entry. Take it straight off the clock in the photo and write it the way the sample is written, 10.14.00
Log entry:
4.24.28
